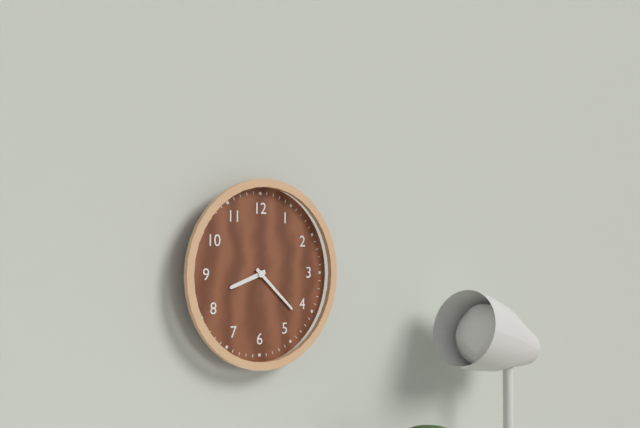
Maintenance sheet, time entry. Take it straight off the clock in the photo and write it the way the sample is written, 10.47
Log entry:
8.22
